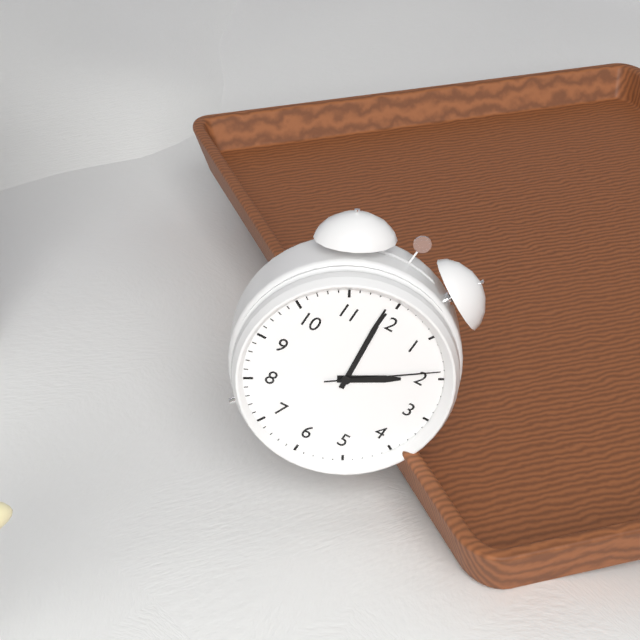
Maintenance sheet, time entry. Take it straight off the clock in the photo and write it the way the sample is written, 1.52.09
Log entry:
1.59.09
